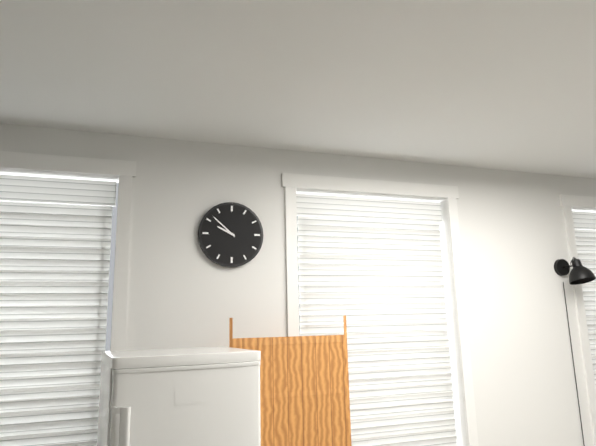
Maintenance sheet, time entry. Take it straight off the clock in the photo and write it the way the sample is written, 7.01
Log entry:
9.52
